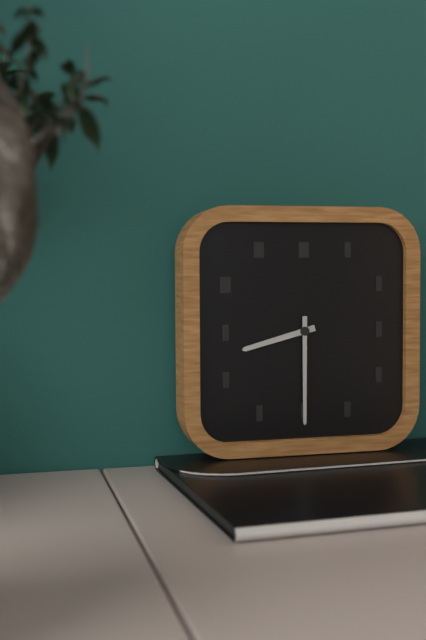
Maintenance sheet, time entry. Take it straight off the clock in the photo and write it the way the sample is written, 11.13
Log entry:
8.30
